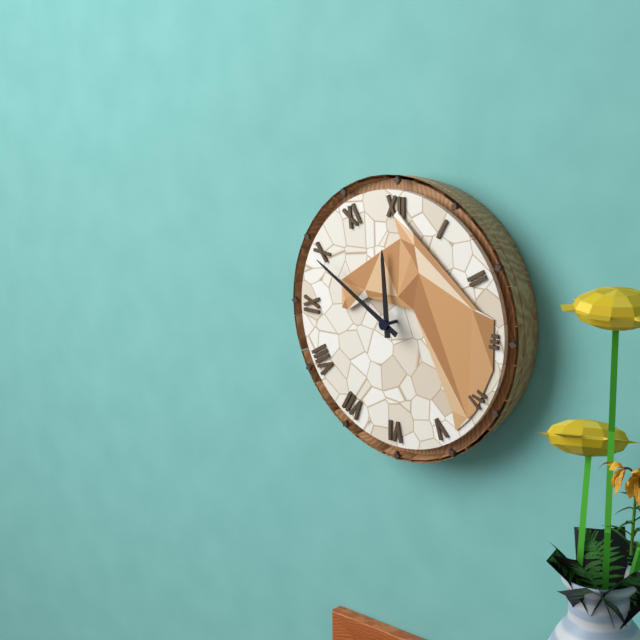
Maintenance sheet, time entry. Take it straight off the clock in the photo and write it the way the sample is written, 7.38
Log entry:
11.50
